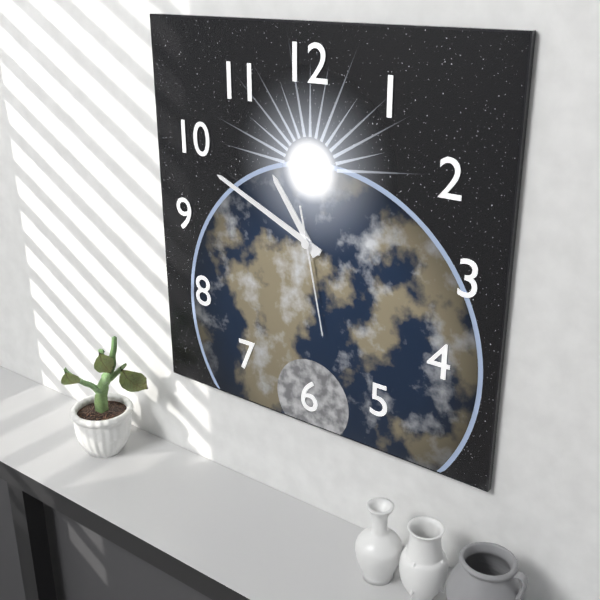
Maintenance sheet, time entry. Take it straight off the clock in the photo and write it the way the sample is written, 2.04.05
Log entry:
10.49.28
